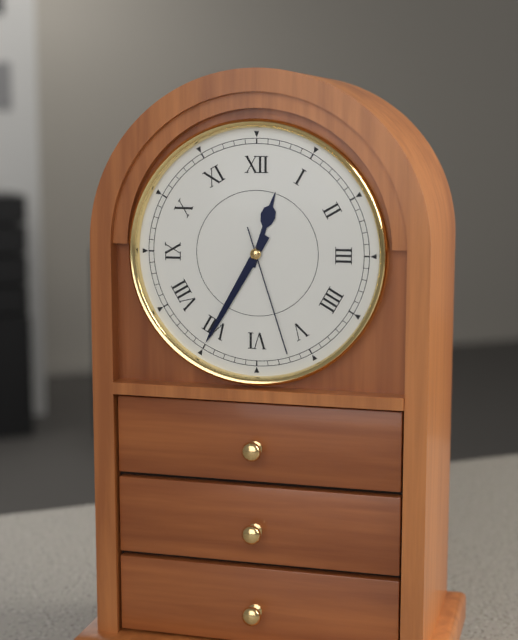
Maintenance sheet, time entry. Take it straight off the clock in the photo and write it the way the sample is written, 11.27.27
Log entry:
12.35.27
